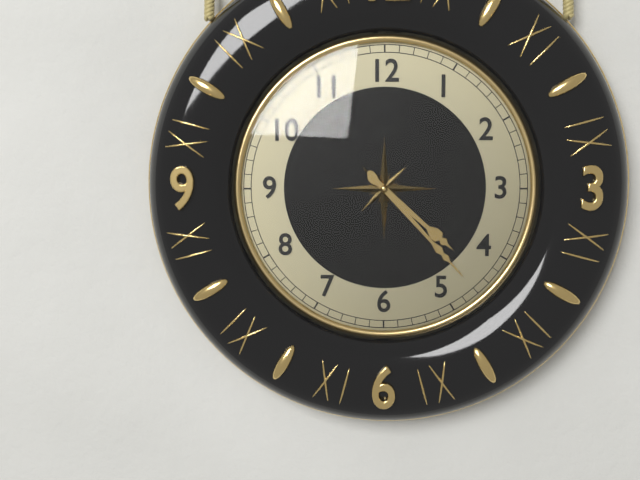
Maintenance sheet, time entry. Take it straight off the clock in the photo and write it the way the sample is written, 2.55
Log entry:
4.23
